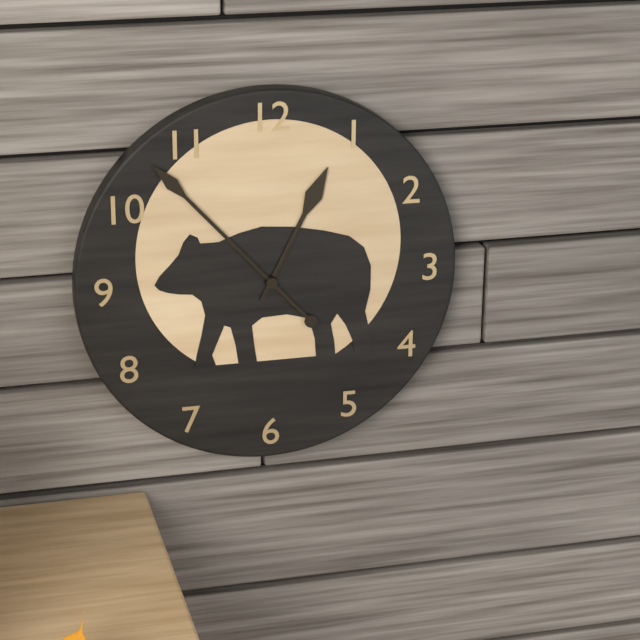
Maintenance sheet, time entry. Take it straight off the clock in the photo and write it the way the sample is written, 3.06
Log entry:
12.53
